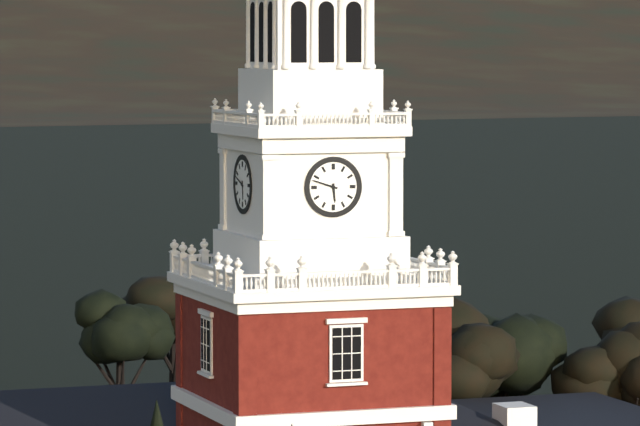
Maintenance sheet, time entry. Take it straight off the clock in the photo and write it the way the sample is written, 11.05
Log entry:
5.48
